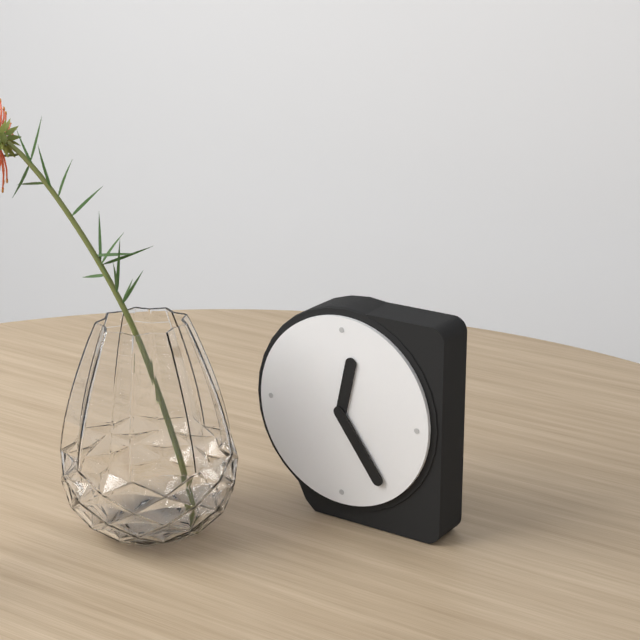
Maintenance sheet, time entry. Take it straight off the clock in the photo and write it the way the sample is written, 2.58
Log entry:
12.24
